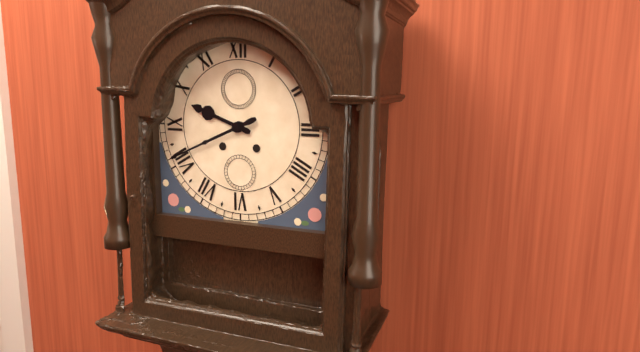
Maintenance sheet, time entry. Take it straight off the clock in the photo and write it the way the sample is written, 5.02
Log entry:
9.41
